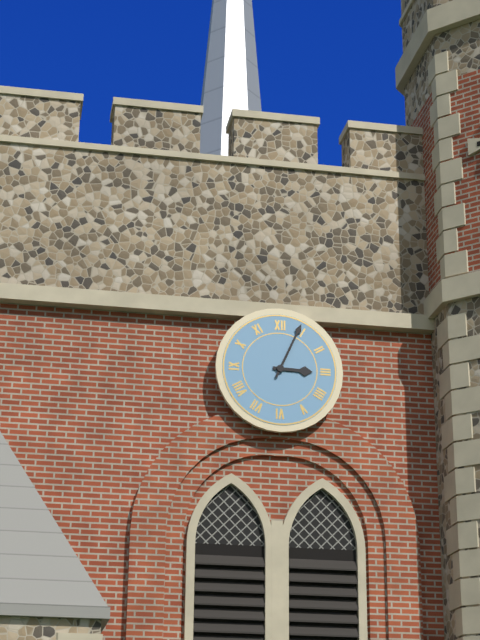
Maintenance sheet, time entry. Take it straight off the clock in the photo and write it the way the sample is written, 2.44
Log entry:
3.04
